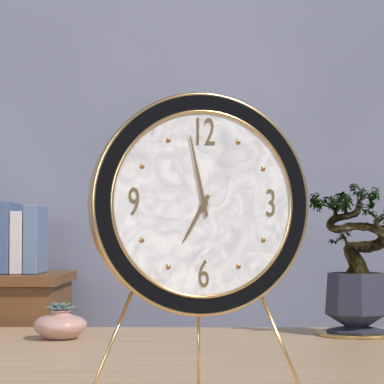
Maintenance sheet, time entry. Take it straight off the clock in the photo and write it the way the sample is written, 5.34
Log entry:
6.58
